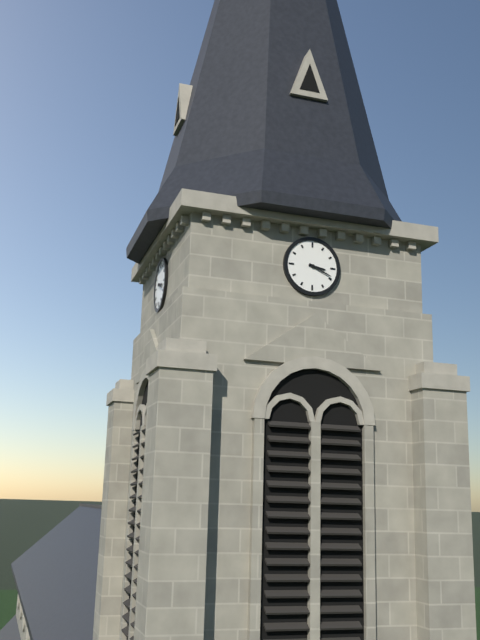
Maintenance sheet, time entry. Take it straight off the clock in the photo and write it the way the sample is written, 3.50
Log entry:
3.19
